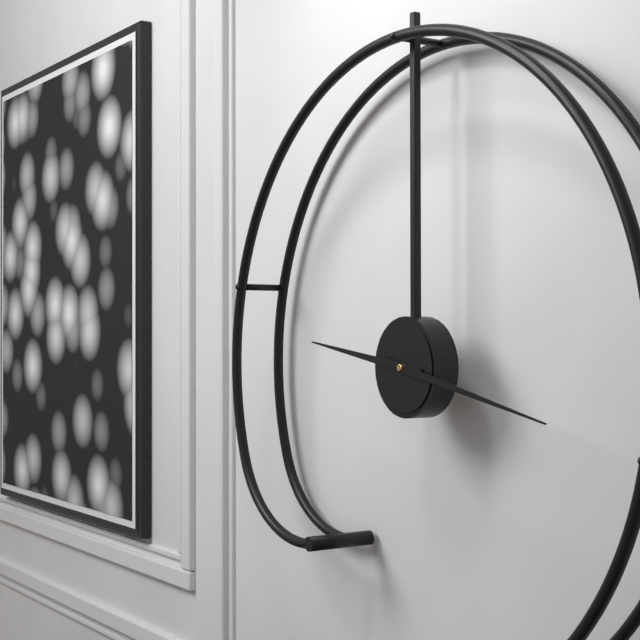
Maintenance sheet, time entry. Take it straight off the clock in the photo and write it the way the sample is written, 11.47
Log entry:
9.17
